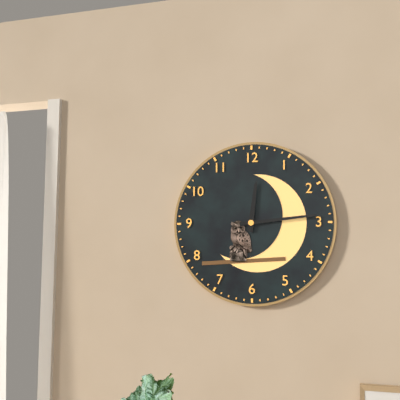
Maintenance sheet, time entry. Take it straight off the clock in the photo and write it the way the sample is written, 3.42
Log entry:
12.14
